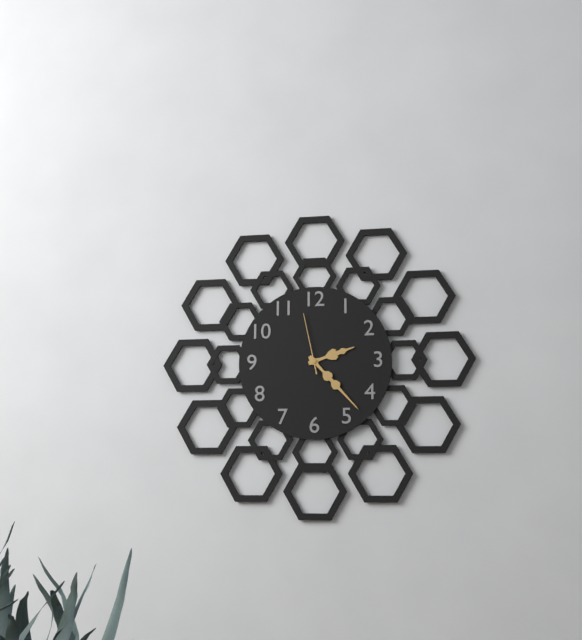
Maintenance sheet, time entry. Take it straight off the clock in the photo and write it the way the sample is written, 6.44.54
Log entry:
2.23.58
